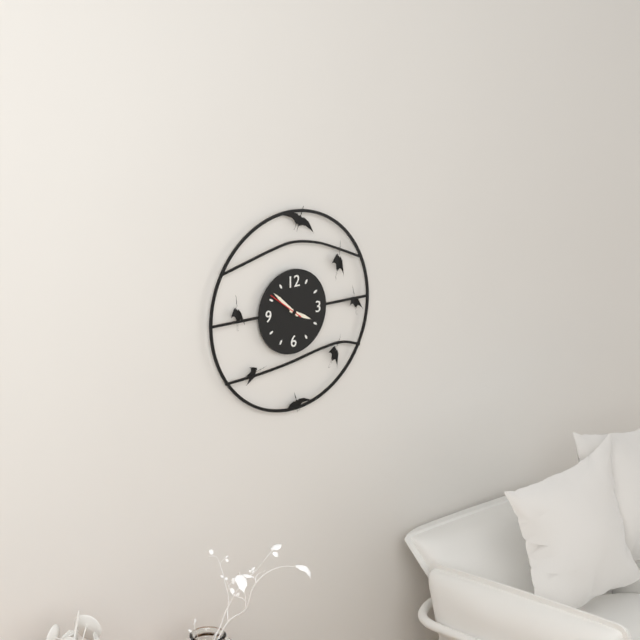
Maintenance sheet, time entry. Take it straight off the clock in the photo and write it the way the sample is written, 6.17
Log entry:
3.52
